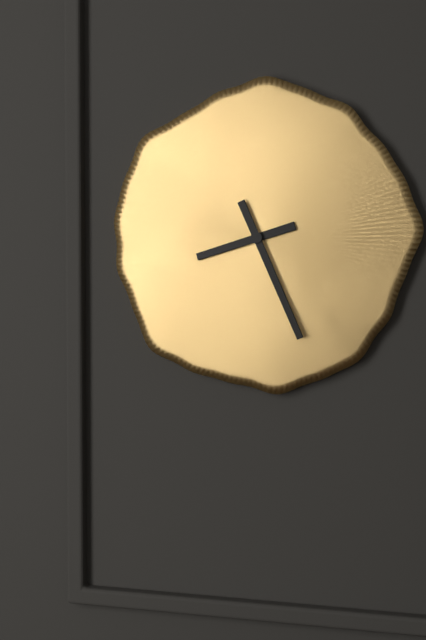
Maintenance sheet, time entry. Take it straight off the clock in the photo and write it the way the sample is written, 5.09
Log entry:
8.26
